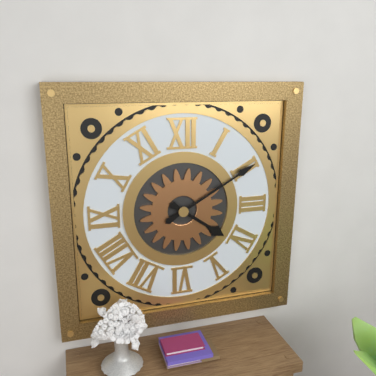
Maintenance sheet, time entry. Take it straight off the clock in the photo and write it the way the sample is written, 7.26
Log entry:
4.10
